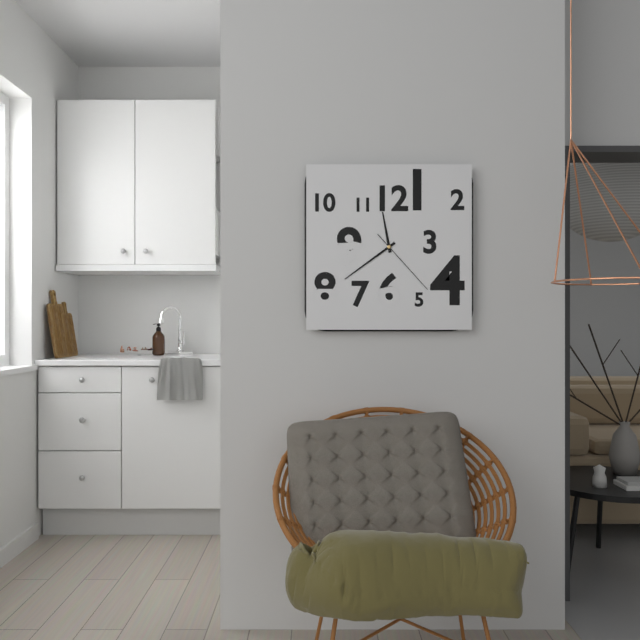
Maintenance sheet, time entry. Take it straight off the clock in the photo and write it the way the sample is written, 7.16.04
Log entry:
11.39.23
